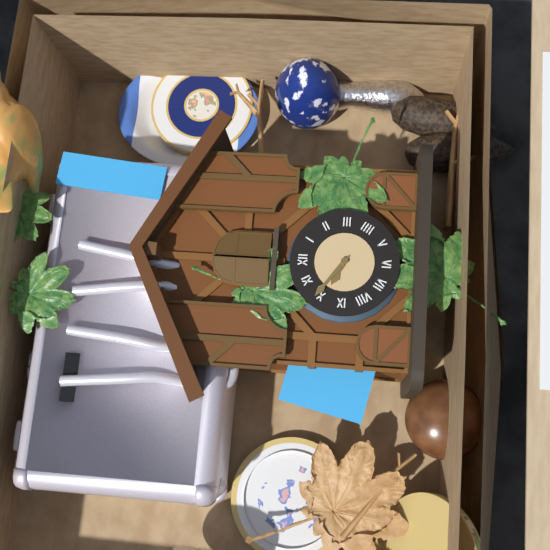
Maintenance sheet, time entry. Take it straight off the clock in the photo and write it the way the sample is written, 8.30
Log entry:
9.51
